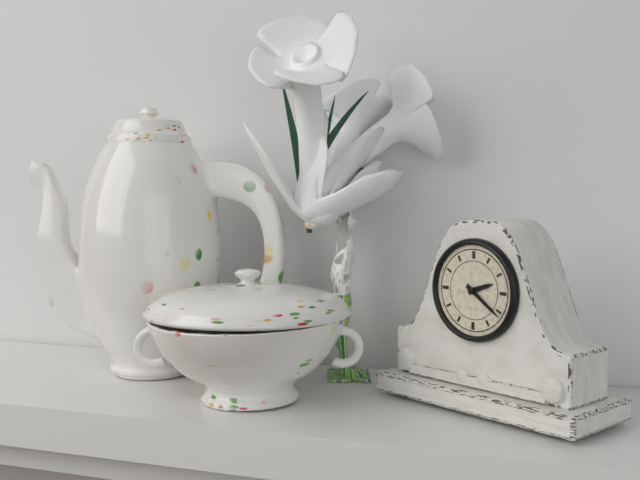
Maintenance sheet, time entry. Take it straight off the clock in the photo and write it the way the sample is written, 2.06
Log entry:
2.21
